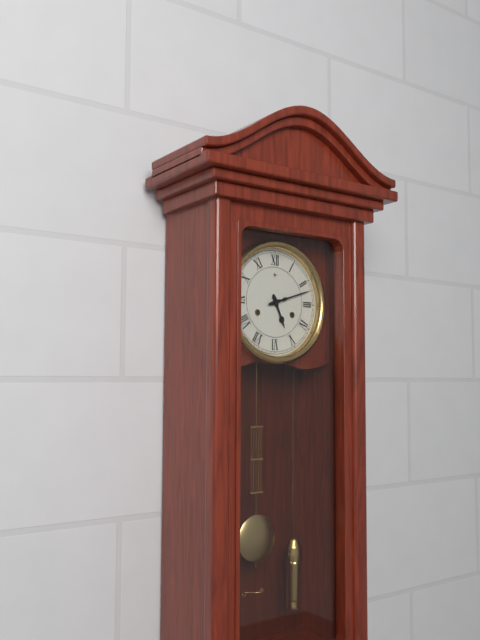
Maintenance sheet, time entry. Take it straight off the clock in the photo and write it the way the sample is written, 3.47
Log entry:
5.12
